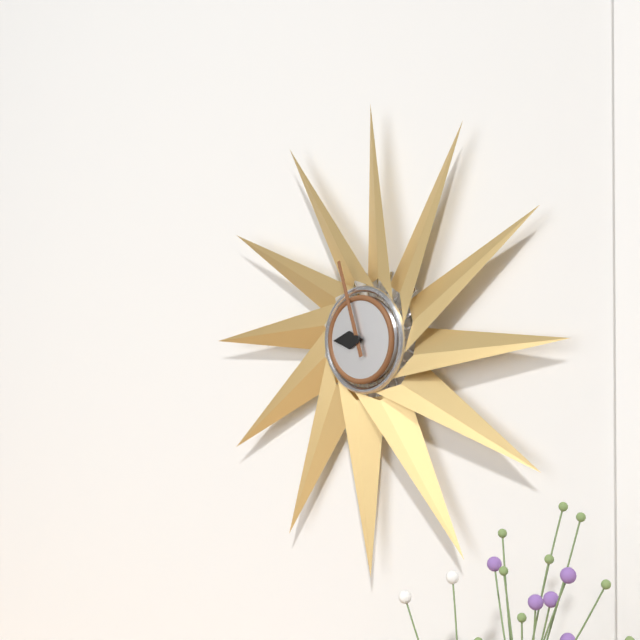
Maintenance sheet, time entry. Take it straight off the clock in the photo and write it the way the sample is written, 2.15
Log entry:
8.57
